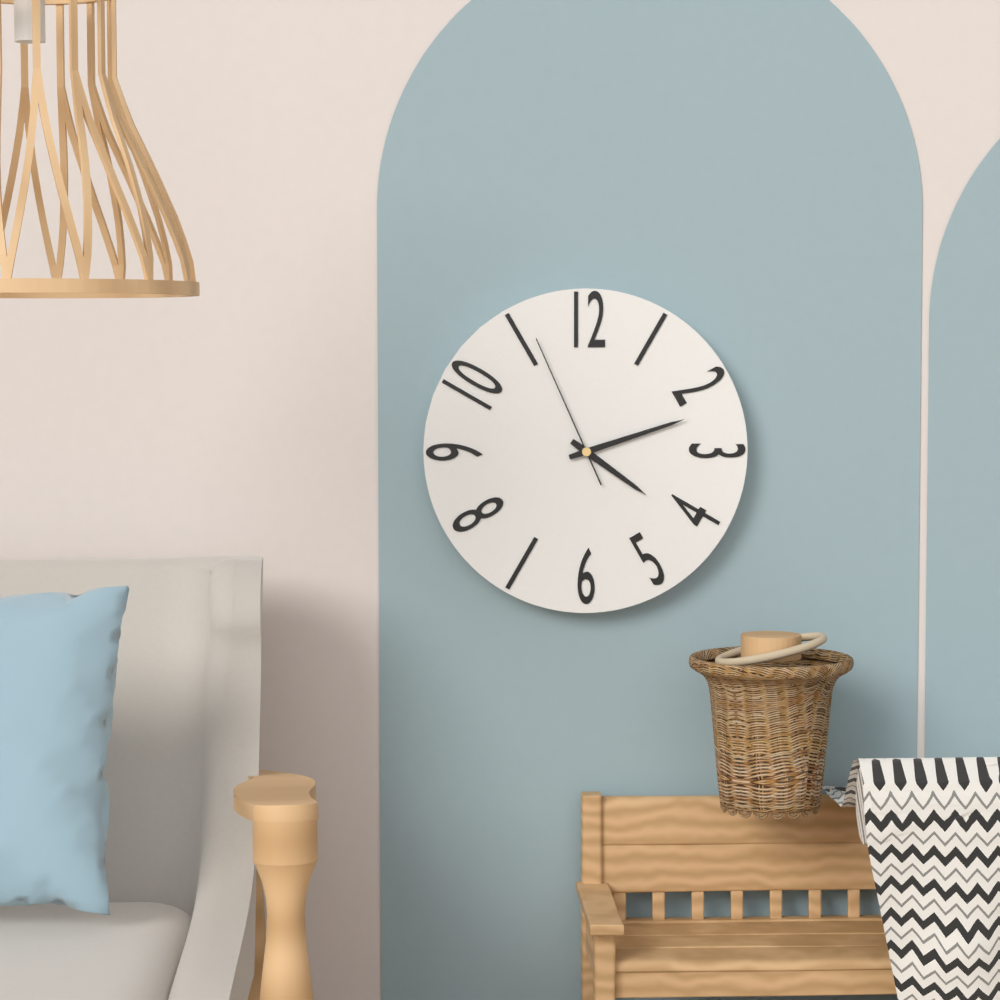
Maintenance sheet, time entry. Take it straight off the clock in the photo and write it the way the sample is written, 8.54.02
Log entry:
4.12.56
